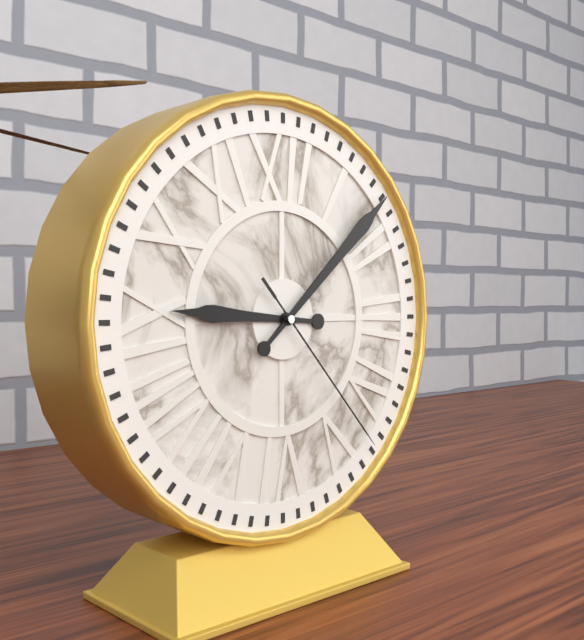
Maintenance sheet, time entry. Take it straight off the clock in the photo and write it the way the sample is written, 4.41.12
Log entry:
9.08.23
